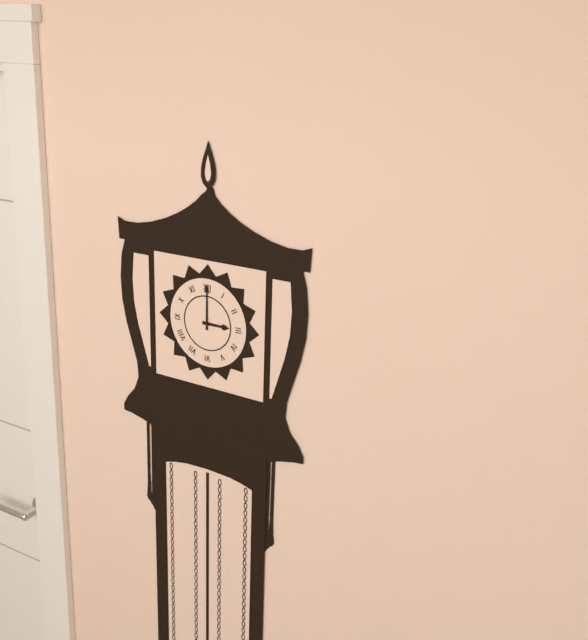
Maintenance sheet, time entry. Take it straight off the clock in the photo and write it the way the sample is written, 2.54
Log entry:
3.00
